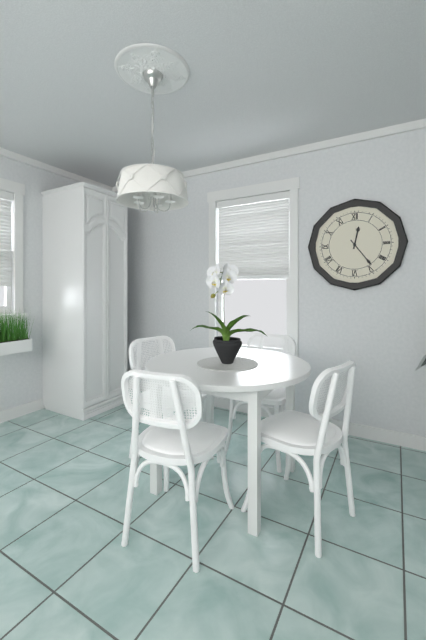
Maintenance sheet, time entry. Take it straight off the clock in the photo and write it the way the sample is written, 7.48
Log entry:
12.24
